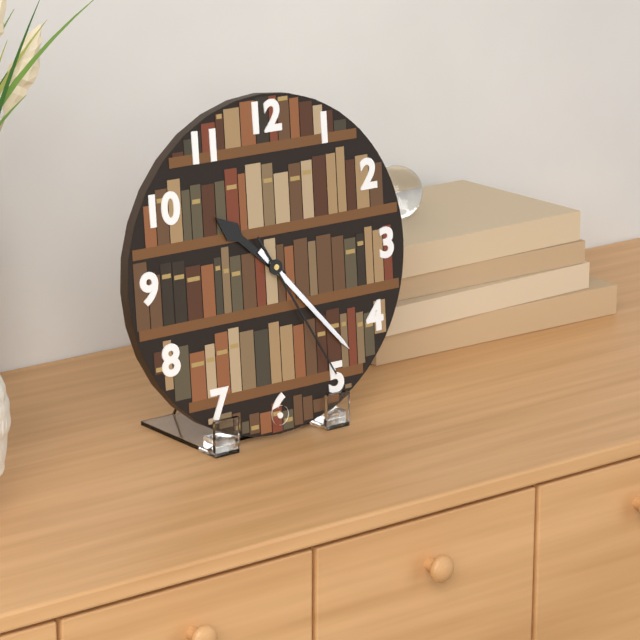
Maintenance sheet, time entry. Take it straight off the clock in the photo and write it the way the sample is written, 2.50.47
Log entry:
10.23.25
